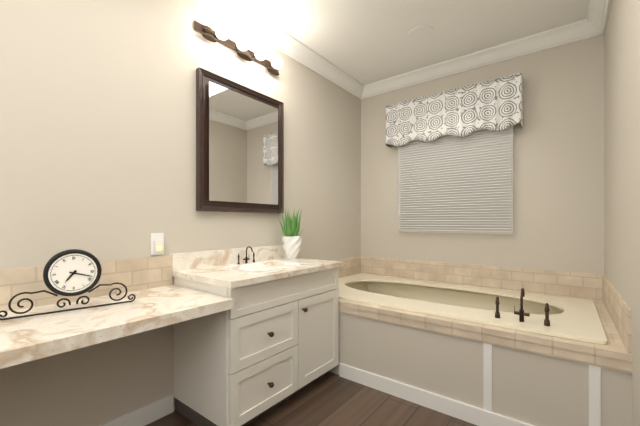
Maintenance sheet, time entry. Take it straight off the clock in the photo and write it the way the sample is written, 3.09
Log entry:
7.18
